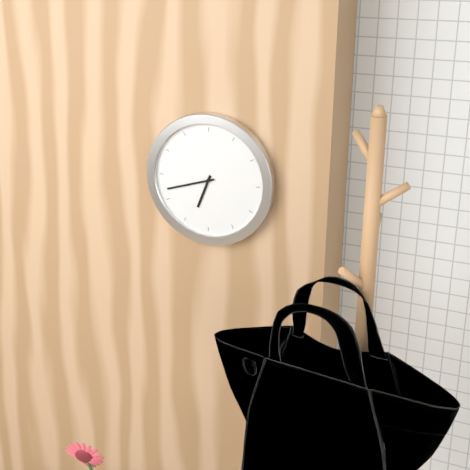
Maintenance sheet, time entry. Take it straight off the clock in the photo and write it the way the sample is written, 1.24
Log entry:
6.42
